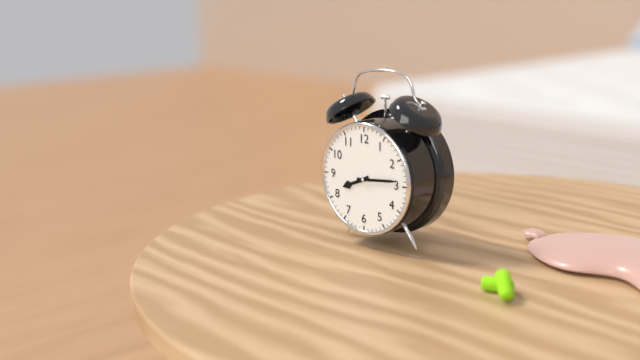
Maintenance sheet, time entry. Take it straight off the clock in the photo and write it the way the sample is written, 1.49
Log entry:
8.14
